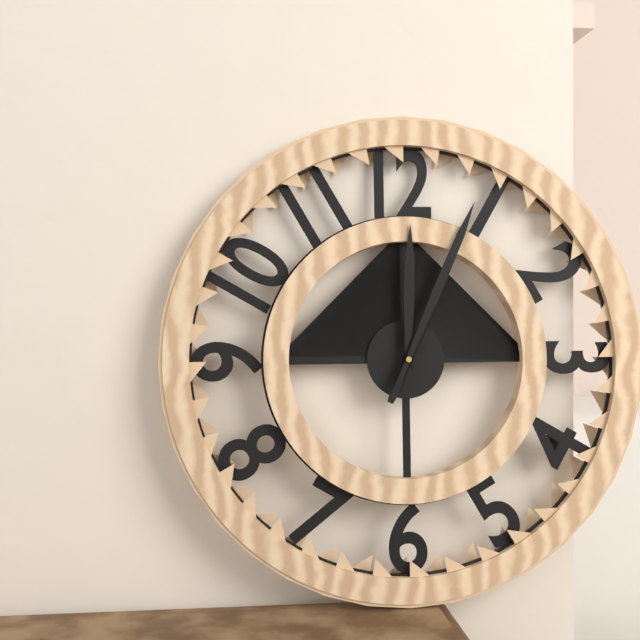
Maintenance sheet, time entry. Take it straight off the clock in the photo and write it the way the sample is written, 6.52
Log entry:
12.04
